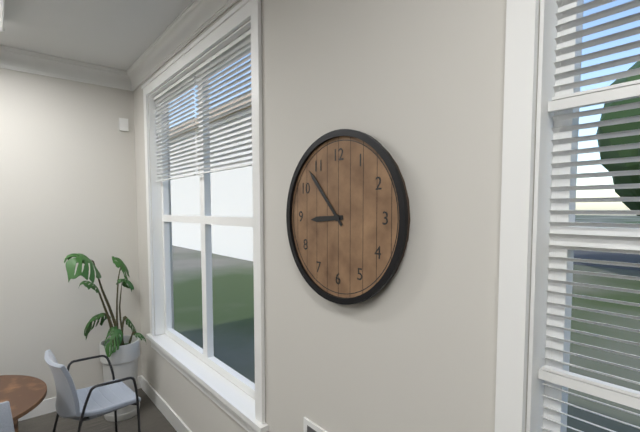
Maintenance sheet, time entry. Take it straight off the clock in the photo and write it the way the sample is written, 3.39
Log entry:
8.53
